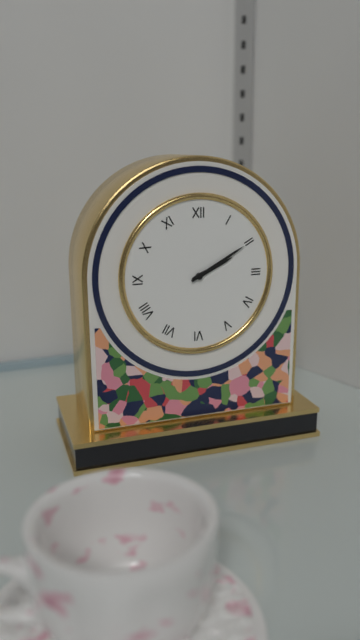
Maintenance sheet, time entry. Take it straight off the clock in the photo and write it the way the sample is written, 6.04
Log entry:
2.10
